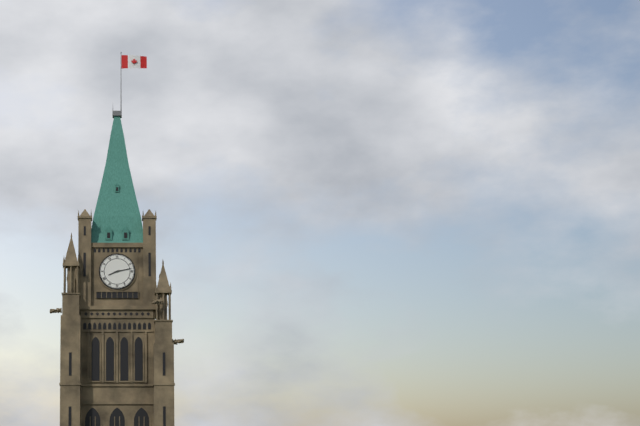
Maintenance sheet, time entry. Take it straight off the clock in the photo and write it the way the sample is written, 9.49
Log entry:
8.13
